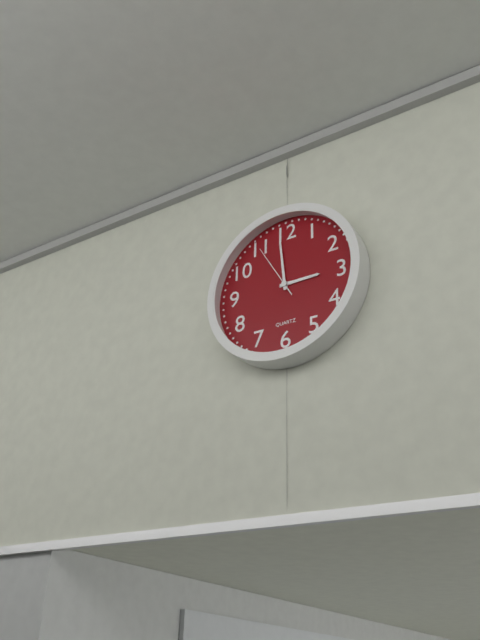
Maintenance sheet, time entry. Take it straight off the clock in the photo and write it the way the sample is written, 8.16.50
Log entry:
2.59.55
